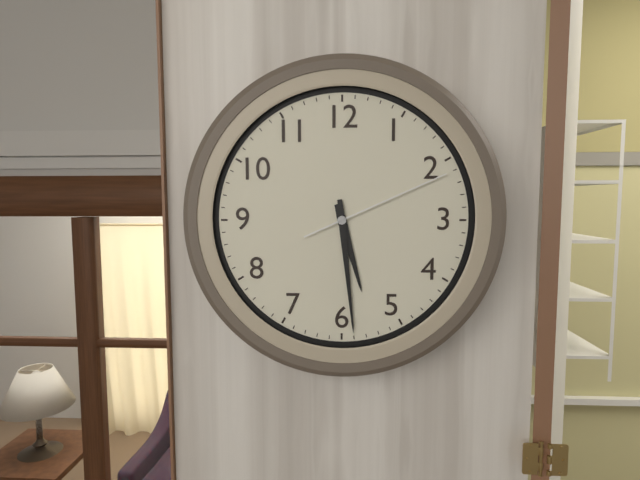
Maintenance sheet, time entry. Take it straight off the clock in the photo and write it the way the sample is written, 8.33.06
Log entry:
5.29.11
